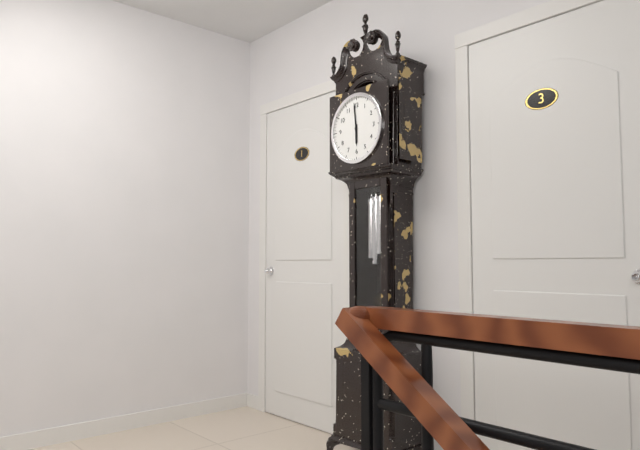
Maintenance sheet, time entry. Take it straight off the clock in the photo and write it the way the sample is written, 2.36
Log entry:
5.59
